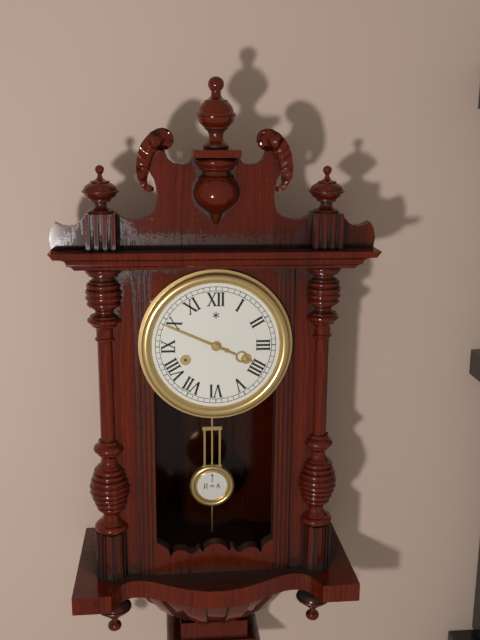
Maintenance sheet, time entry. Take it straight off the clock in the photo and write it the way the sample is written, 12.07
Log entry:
3.49
